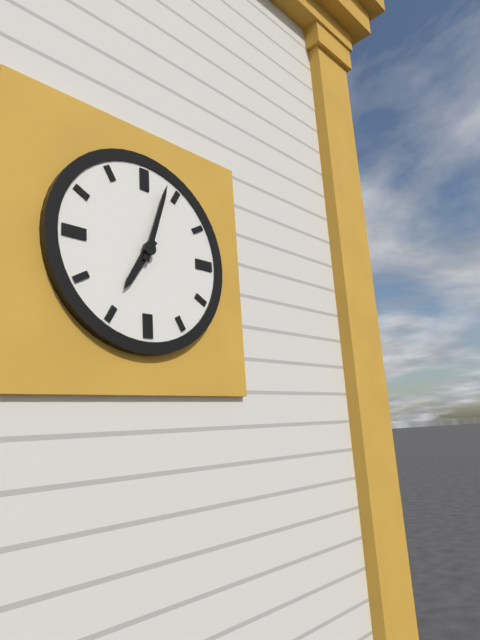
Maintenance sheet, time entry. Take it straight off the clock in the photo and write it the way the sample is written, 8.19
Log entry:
7.03
